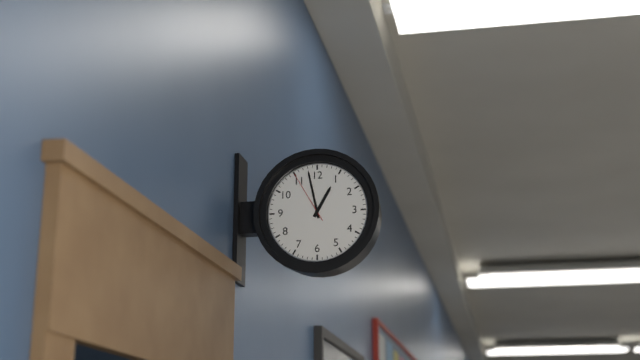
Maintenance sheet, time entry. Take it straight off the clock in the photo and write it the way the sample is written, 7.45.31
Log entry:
12.58.55
